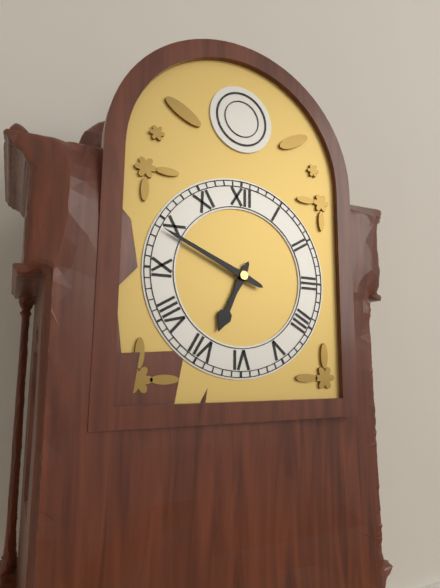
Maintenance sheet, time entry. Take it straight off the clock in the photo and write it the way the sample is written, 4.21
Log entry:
6.49
